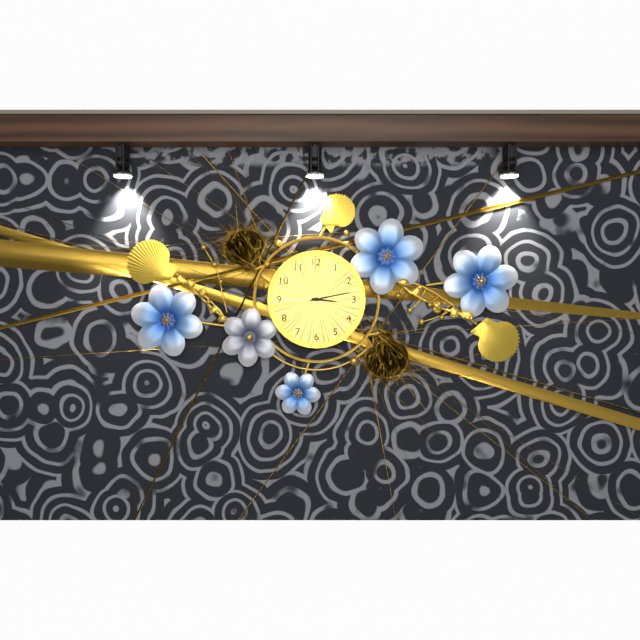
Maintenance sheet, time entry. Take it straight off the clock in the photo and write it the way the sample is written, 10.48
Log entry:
3.13
